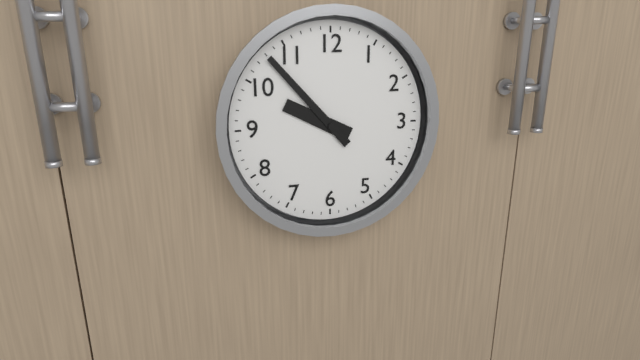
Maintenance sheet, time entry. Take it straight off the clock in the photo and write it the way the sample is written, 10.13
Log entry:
9.53
